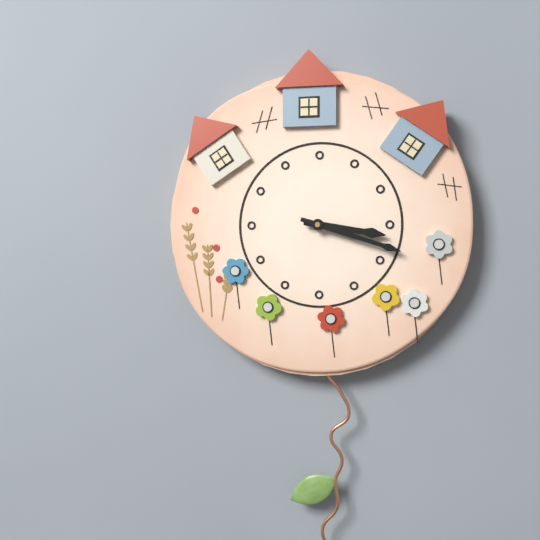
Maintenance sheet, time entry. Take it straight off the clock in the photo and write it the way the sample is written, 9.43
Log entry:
3.18
